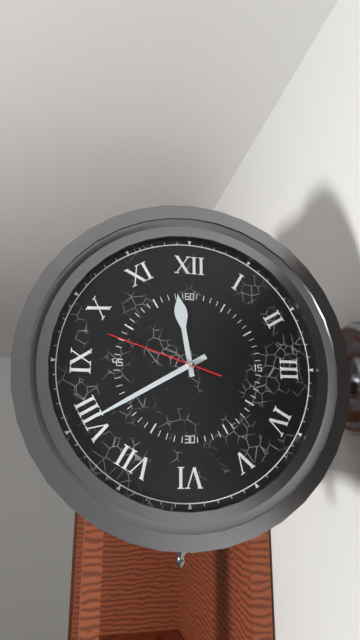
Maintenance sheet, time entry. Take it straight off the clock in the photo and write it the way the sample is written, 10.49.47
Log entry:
11.40.48
